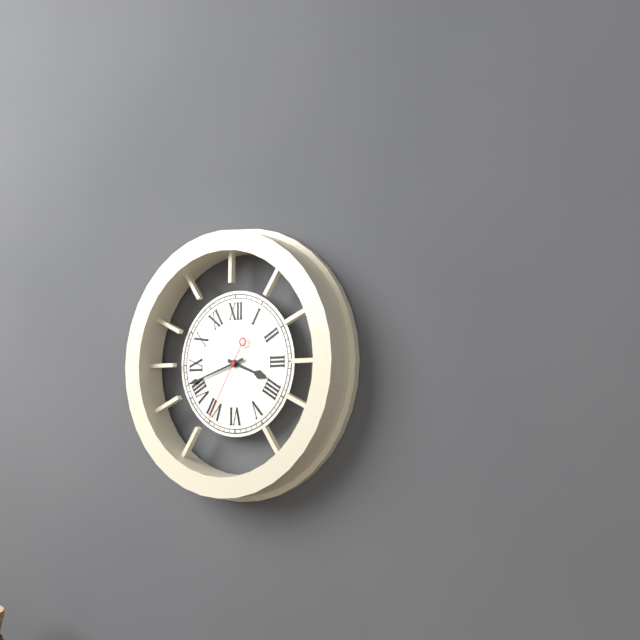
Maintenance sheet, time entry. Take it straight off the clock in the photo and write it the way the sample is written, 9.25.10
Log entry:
3.42.35
